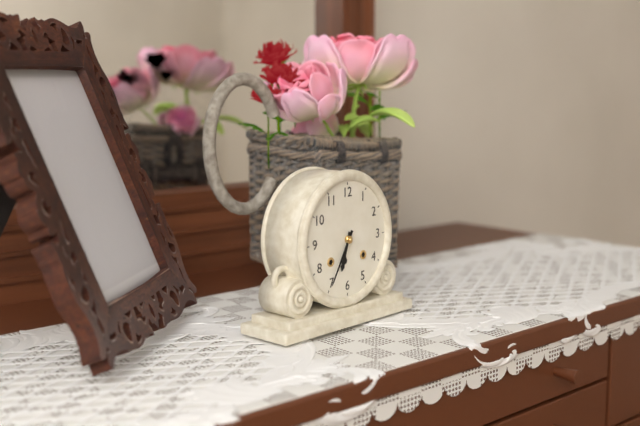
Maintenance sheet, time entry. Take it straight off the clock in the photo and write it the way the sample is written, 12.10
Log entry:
6.35
